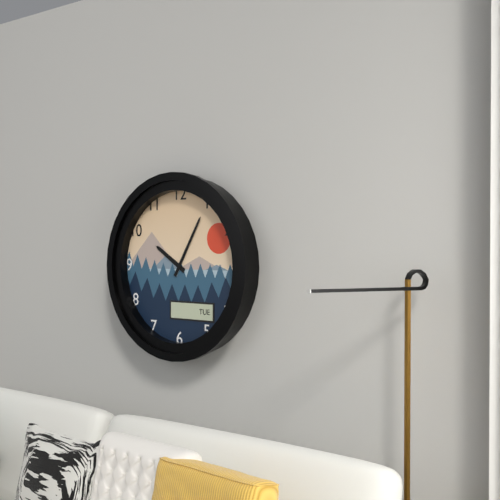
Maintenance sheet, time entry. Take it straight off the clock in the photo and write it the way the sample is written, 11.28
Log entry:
10.05
